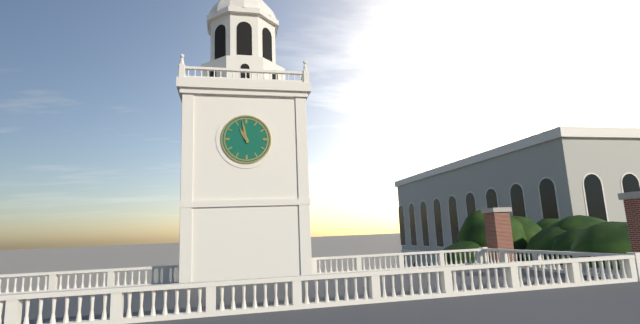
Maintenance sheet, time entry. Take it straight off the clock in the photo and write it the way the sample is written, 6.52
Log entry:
10.58
